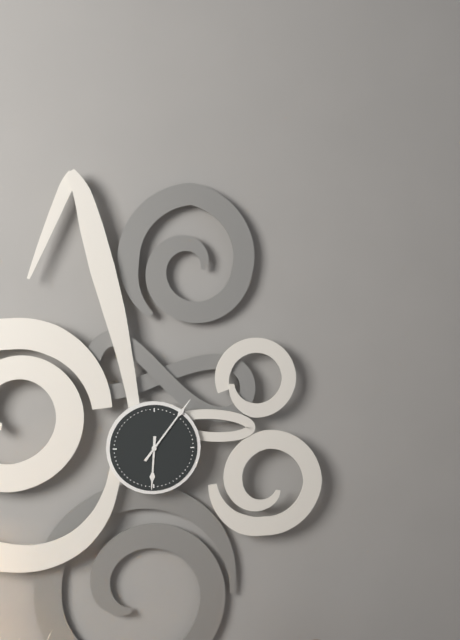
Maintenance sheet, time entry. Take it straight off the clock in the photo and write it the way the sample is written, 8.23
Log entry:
6.06
